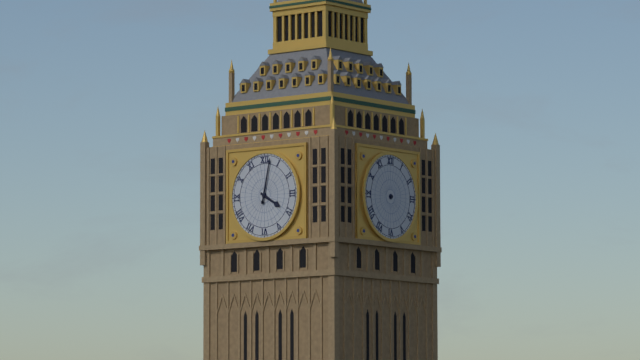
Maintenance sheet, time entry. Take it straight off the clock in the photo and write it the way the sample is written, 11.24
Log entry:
4.02
